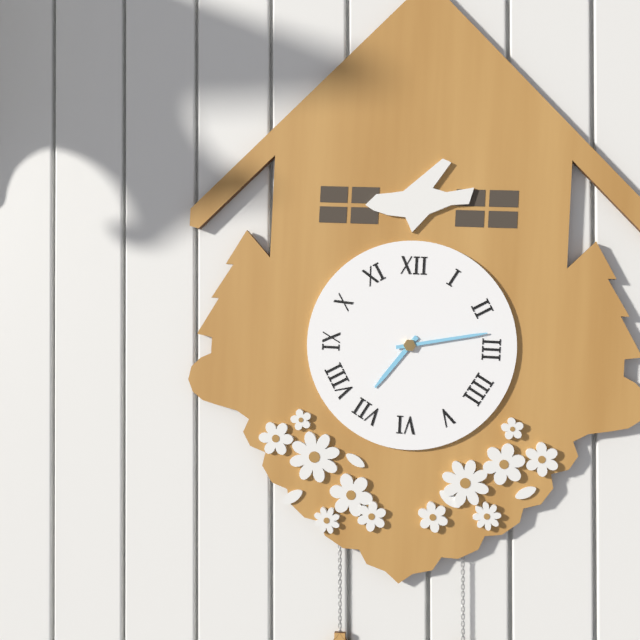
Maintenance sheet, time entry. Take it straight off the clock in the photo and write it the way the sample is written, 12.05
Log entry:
7.13
